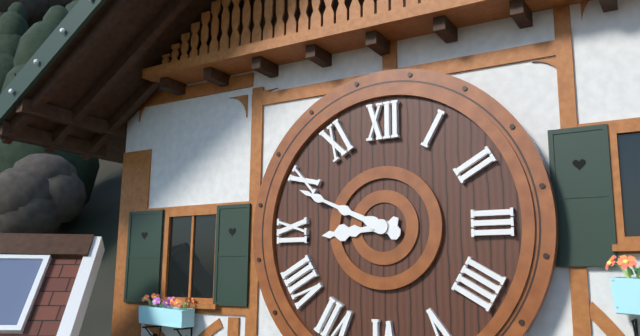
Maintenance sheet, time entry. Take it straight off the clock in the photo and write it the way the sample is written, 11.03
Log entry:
8.49
